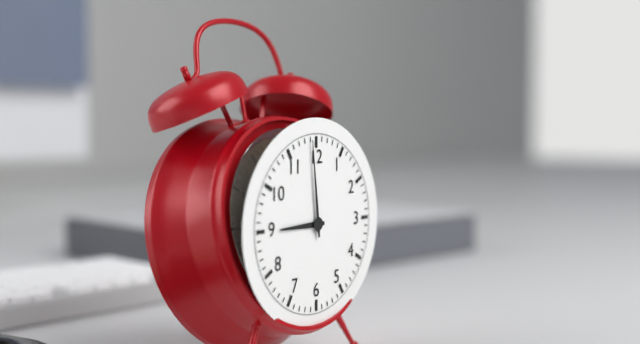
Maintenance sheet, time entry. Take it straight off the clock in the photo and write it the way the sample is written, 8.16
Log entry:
8.59
